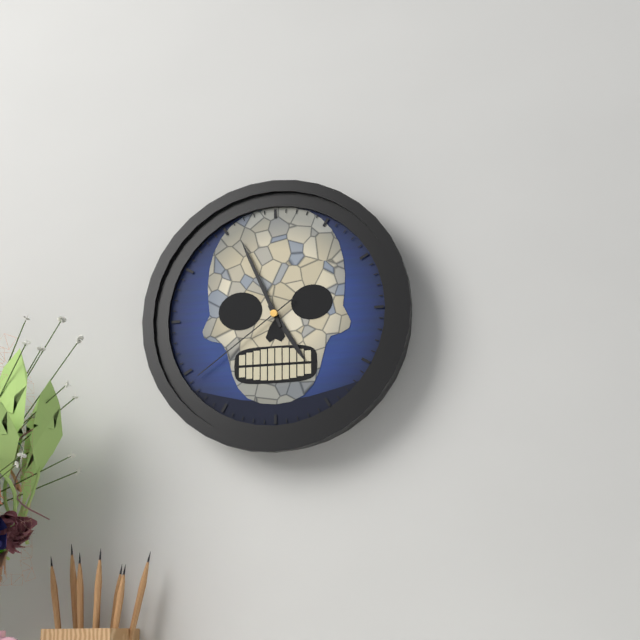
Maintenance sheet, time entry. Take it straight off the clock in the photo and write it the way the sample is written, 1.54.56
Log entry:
4.56.39
